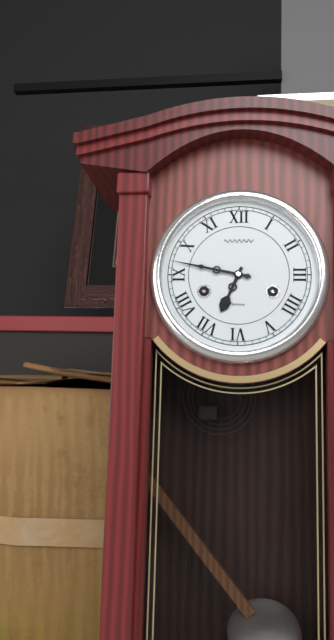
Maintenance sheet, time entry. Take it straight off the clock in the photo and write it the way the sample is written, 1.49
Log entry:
6.47
